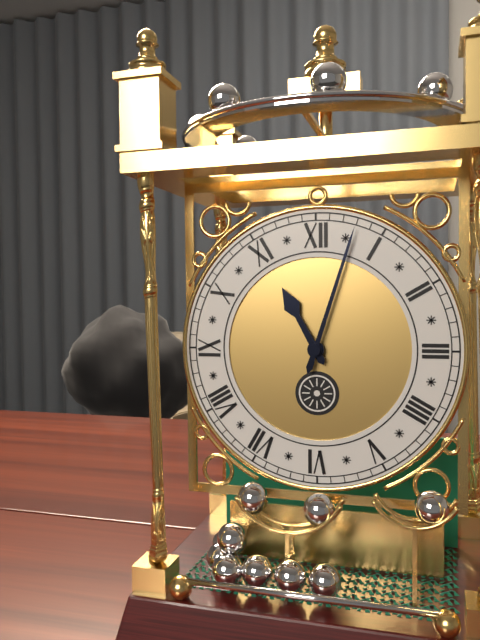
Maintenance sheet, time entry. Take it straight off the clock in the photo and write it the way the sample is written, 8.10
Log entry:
11.03
